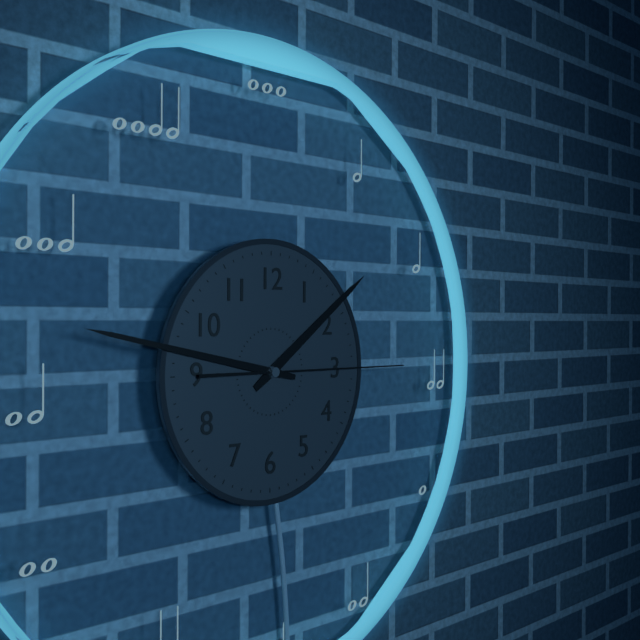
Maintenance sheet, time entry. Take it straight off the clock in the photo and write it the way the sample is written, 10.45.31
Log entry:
1.47.15
